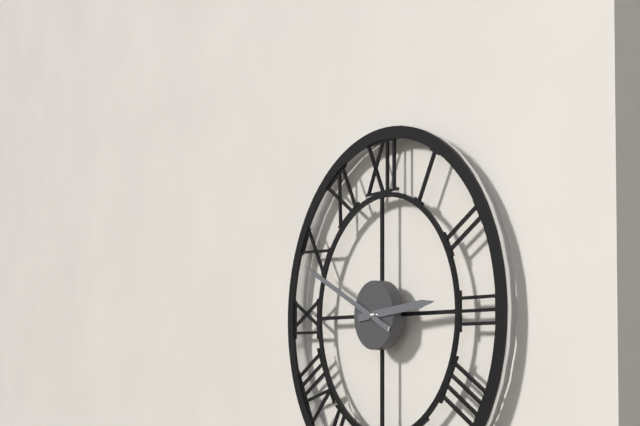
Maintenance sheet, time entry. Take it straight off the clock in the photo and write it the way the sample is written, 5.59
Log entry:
2.49
